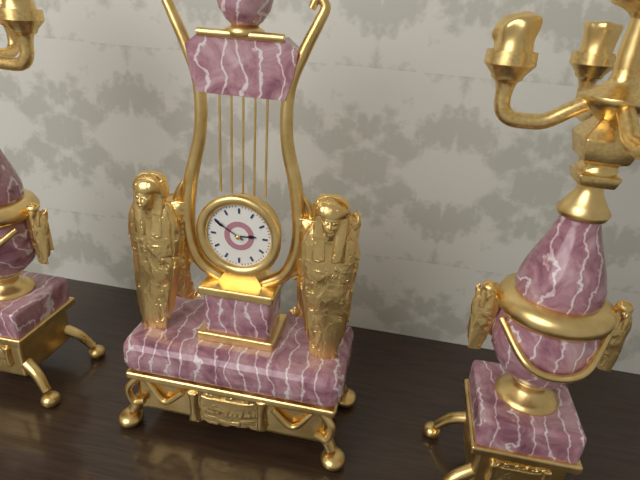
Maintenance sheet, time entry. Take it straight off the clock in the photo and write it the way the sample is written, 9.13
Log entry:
2.50
